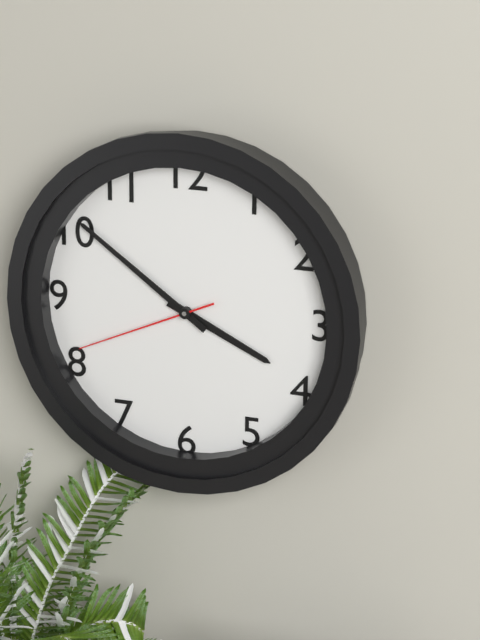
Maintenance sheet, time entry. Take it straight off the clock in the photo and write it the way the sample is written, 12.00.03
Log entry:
3.51.41
